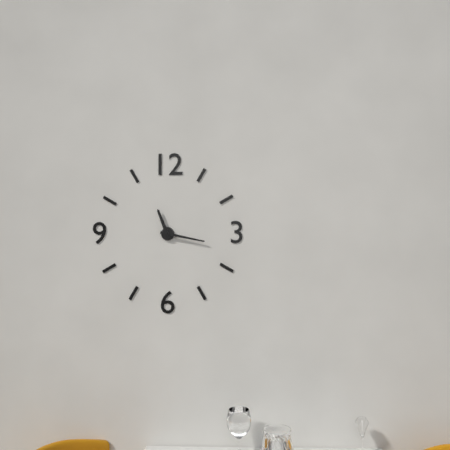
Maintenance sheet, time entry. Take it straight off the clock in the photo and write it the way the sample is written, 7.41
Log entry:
11.17
